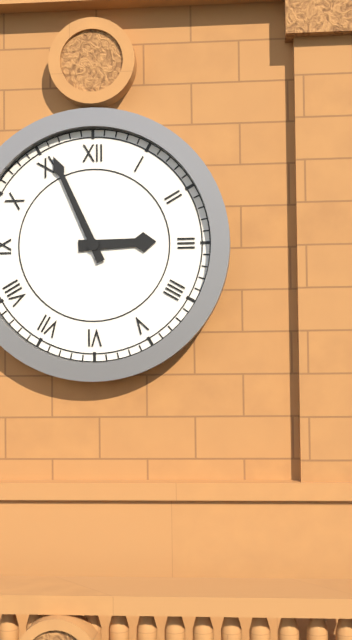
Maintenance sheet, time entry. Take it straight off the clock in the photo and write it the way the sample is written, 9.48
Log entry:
2.56
